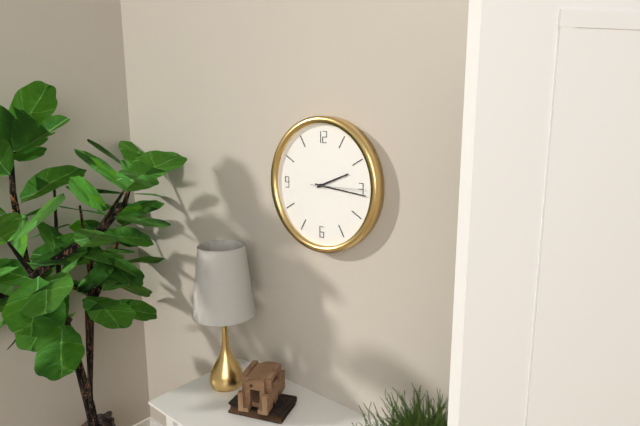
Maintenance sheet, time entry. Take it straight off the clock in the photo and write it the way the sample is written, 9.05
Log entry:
2.16
